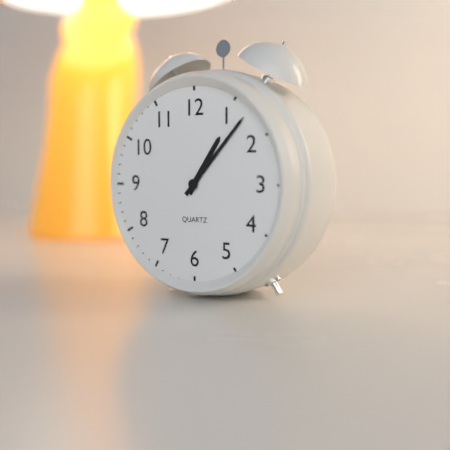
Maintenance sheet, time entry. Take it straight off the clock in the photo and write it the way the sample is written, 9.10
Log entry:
1.07
